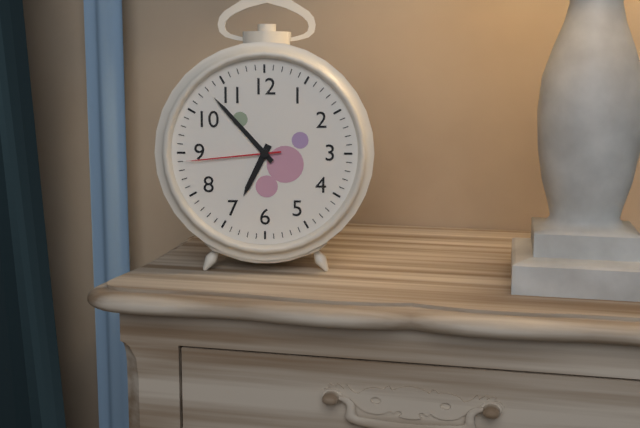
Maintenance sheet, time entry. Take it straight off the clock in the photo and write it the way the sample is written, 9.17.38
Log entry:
6.53.44
